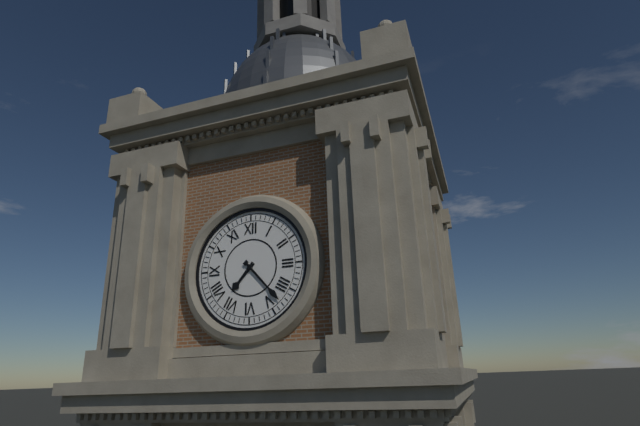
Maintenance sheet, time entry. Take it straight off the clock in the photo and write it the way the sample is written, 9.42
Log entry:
7.23
